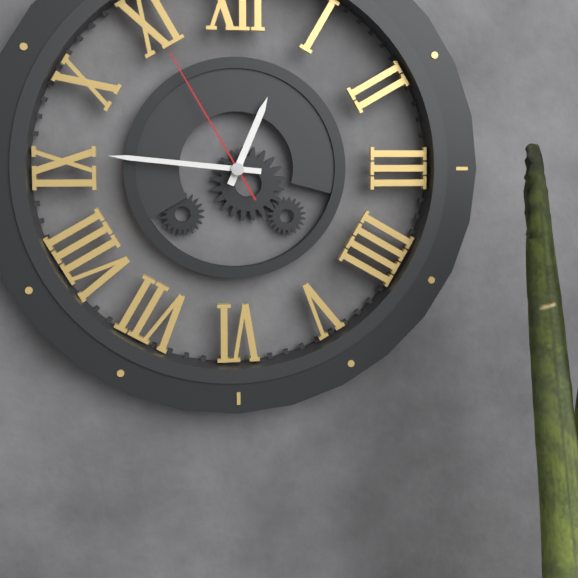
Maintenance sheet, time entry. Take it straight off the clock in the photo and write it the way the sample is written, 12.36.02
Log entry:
12.46.55
